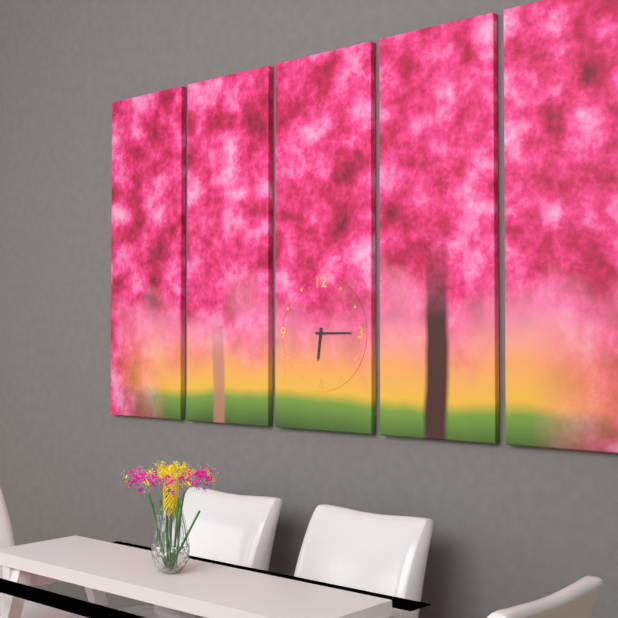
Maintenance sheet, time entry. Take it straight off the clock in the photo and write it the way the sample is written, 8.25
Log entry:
6.15
